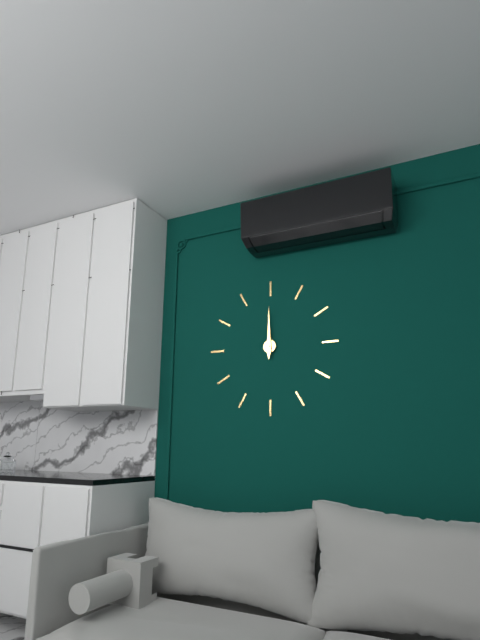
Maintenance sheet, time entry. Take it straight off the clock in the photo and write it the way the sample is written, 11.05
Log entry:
12.00
